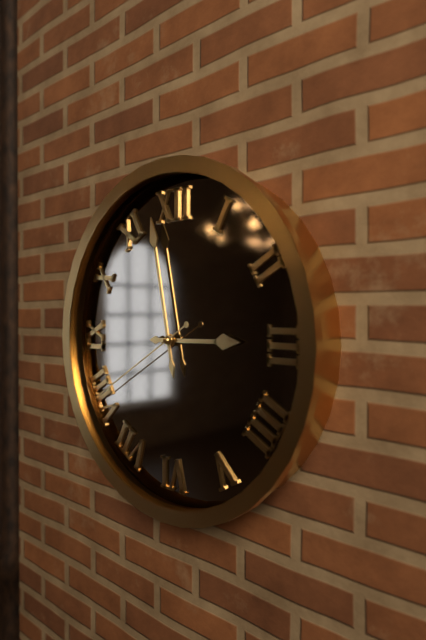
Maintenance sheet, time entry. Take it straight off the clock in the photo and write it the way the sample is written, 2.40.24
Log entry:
2.58.40
